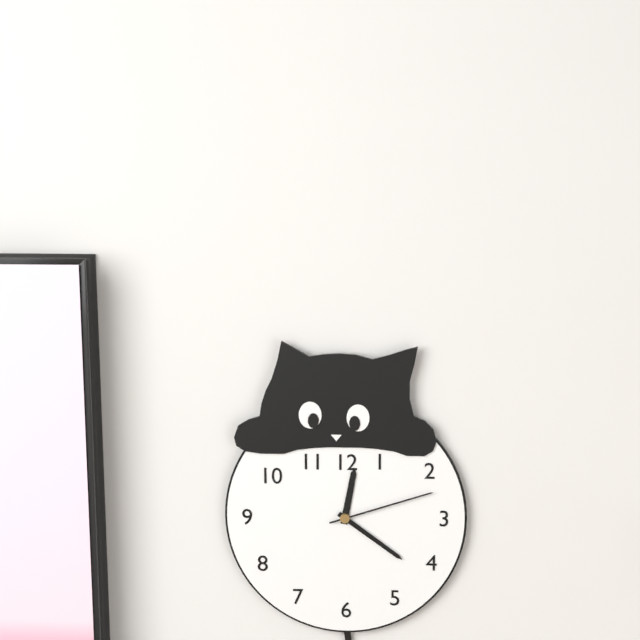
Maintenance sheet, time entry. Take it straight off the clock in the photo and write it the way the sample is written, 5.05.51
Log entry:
12.21.12
